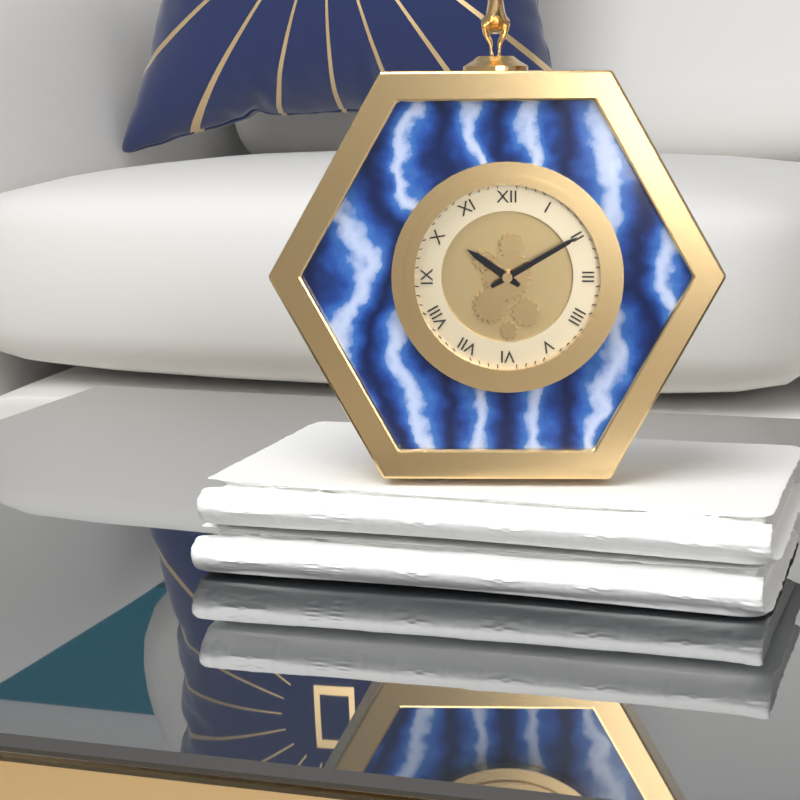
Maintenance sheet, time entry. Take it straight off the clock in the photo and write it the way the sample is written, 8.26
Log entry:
10.10
